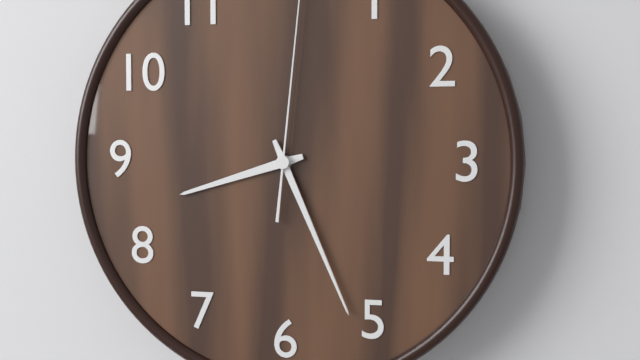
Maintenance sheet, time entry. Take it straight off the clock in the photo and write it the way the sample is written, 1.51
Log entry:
8.26
